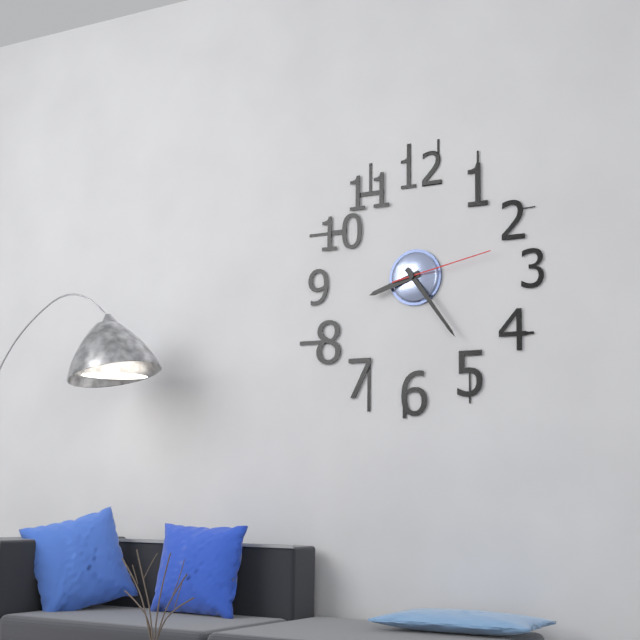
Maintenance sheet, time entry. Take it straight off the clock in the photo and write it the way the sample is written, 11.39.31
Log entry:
8.24.13
